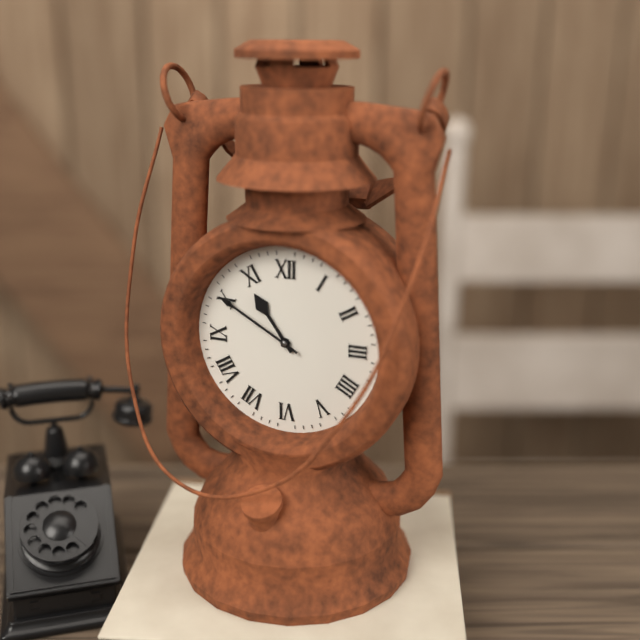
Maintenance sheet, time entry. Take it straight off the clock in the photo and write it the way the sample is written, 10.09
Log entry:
10.50
